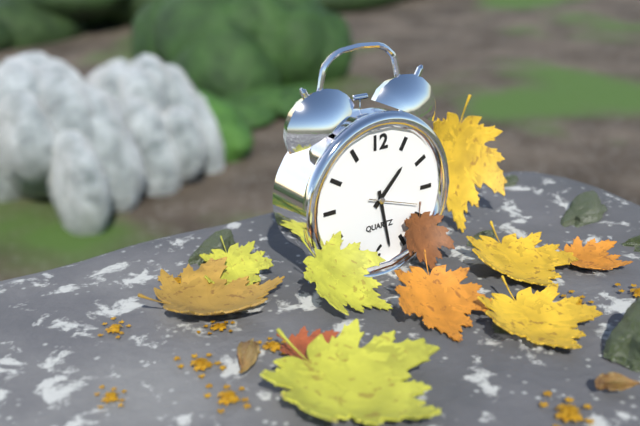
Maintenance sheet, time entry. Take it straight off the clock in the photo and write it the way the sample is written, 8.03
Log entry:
1.28
